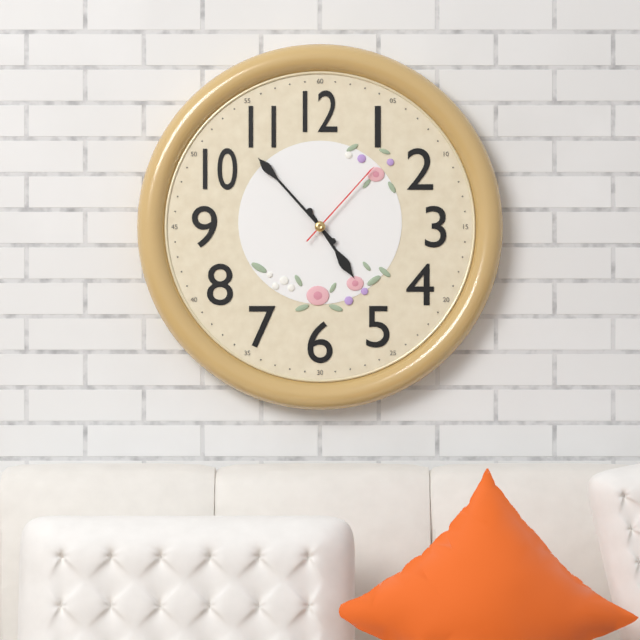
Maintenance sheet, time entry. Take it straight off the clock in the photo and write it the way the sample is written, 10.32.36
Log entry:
4.53.07
